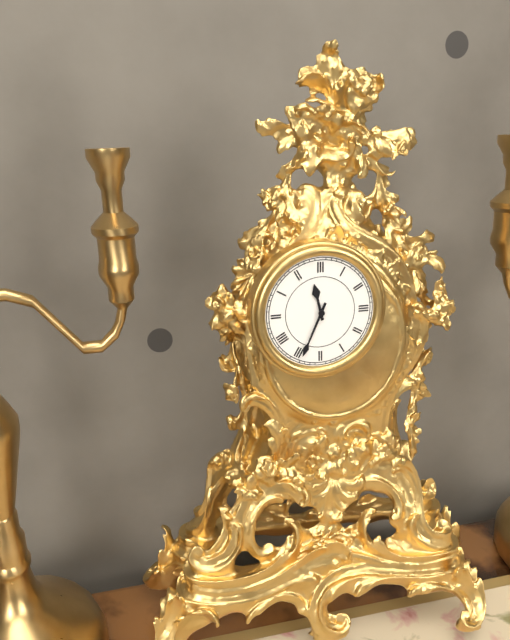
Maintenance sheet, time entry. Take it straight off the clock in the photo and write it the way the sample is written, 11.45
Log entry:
11.34
